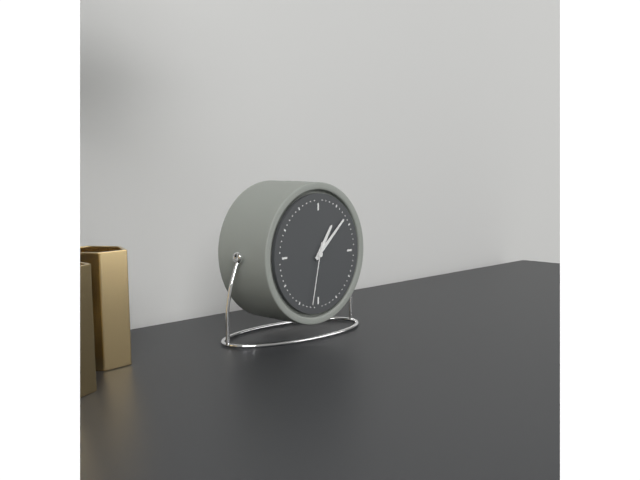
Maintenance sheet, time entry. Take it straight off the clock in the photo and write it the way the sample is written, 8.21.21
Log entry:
1.08.32
